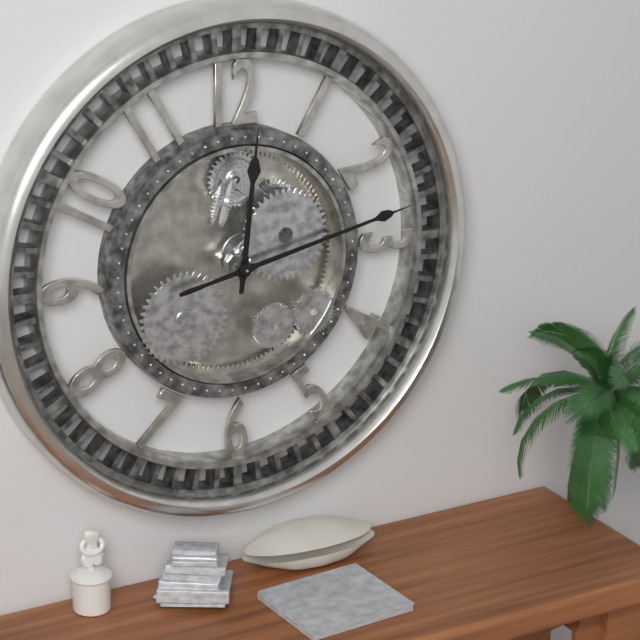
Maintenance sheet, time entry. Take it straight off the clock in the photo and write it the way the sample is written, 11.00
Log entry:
12.13
